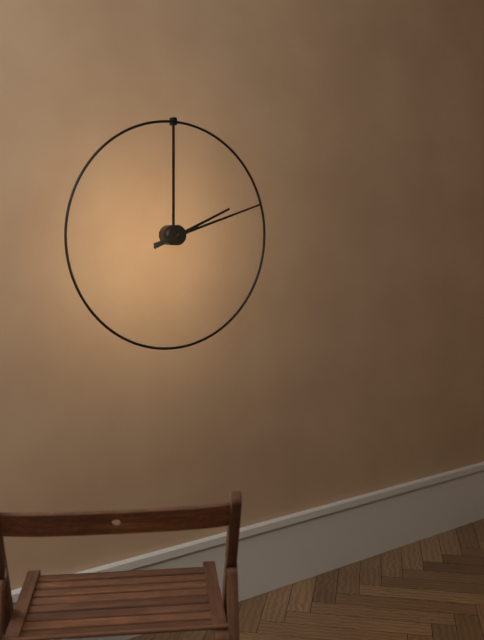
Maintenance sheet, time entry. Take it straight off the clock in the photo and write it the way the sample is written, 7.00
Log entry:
2.12
